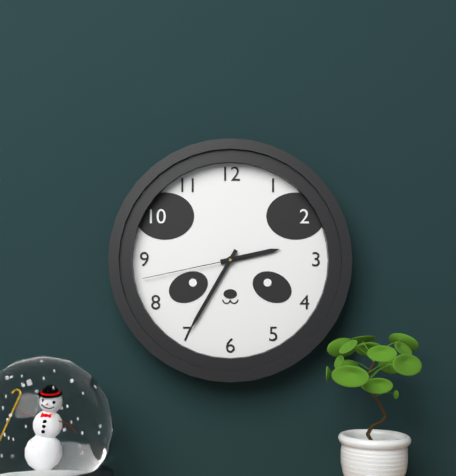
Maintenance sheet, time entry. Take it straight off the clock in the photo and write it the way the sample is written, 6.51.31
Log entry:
2.35.43
